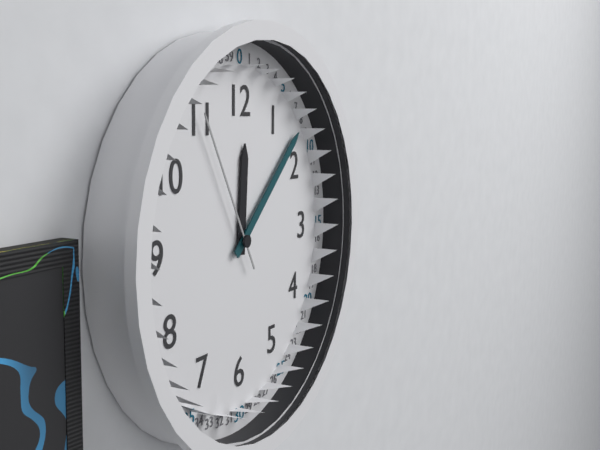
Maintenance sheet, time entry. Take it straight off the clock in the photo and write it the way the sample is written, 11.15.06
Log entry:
12.08.55
